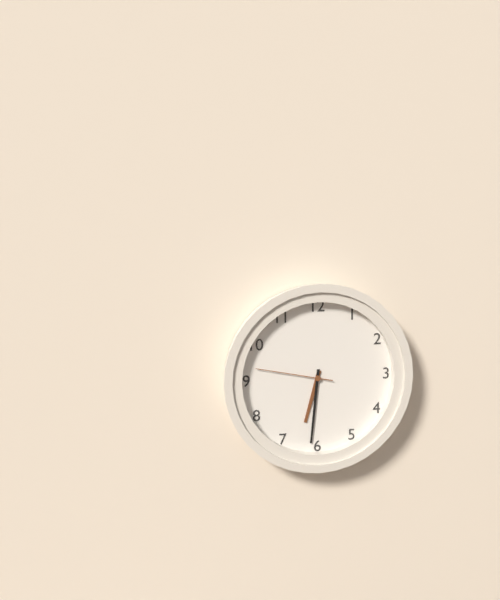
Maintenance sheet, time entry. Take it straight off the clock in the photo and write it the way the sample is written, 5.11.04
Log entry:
6.31.47
